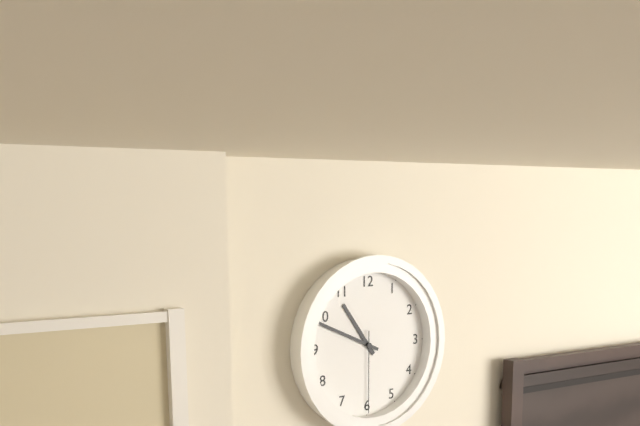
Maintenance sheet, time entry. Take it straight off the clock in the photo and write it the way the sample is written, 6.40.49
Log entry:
10.49.30
